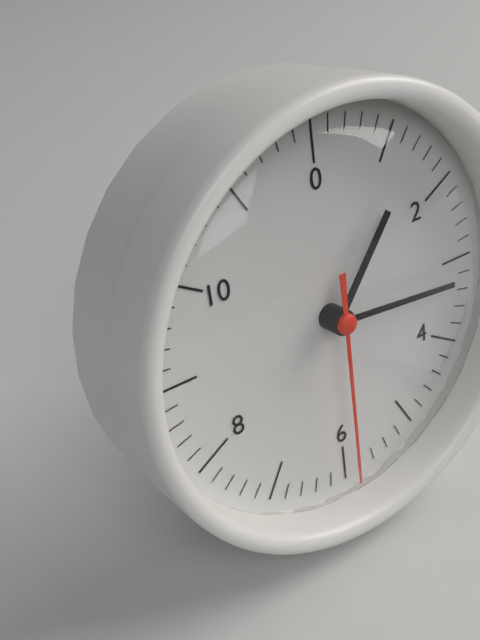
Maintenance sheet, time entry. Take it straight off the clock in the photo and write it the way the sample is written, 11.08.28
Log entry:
1.16.30
